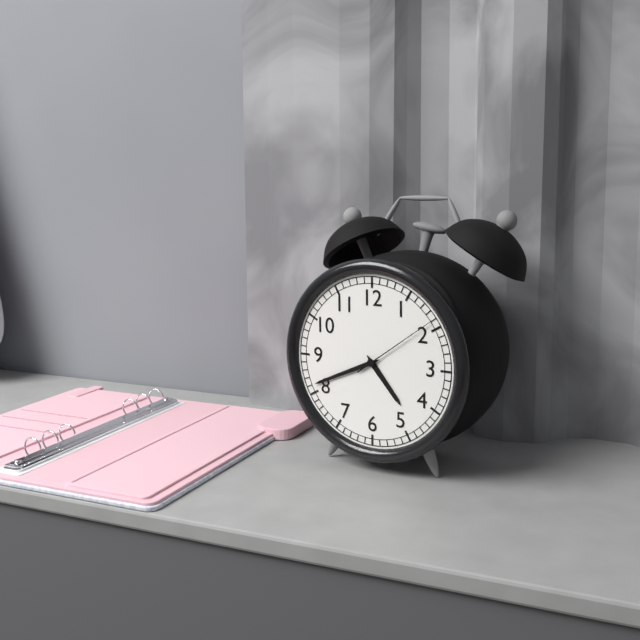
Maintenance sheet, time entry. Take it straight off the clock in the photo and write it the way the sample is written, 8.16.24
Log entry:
4.41.09
